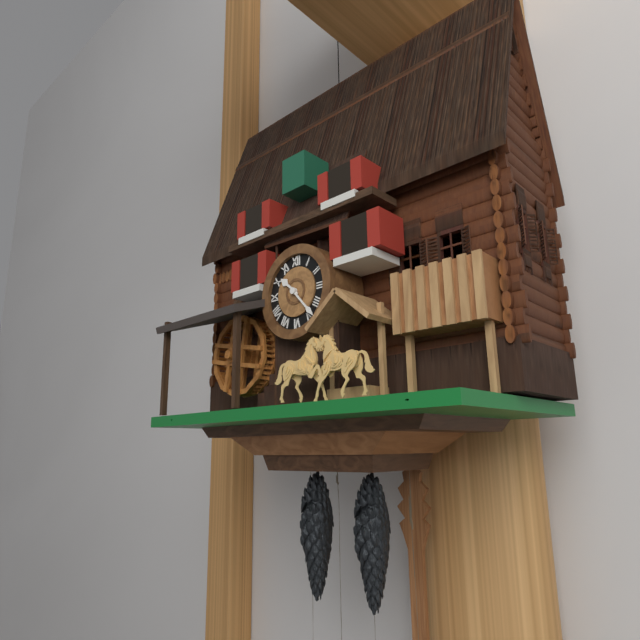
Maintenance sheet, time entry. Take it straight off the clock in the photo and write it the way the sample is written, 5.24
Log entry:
10.23
